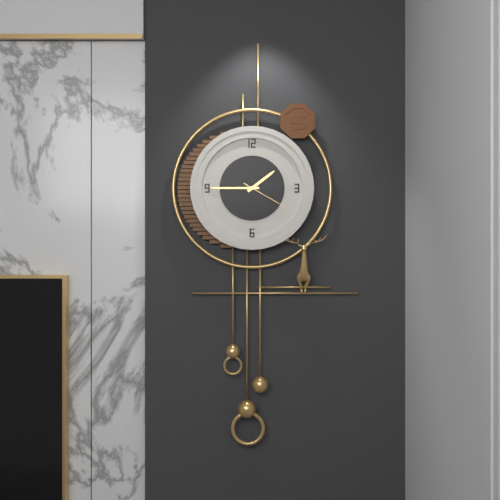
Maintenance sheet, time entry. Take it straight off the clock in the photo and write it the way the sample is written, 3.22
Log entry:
1.45
